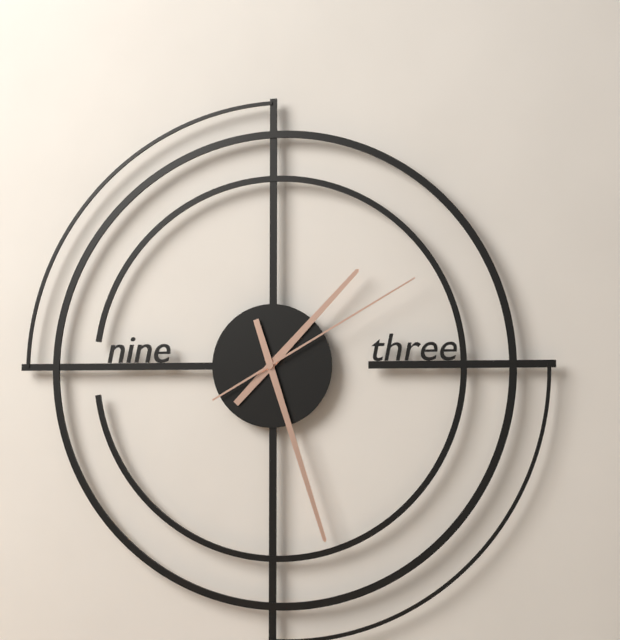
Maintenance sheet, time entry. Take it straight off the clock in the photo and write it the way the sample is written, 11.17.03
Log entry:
1.27.10
